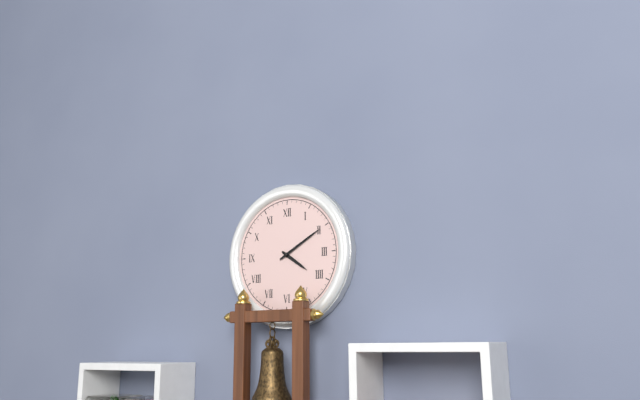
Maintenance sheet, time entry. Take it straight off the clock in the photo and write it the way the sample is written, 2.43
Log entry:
4.10
